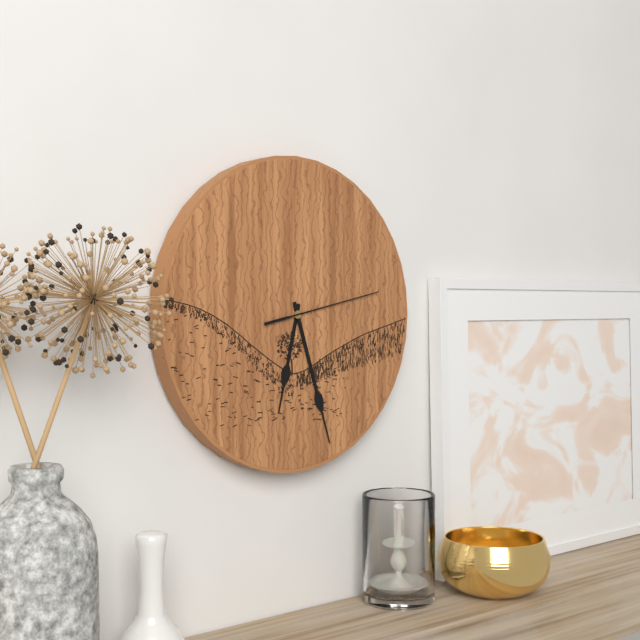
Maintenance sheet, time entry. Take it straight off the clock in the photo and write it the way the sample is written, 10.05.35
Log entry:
6.27.13
